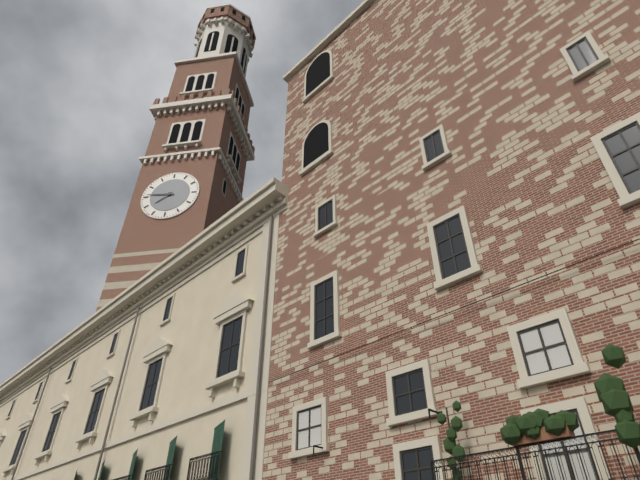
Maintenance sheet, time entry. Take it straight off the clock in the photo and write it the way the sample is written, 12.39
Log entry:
7.46
